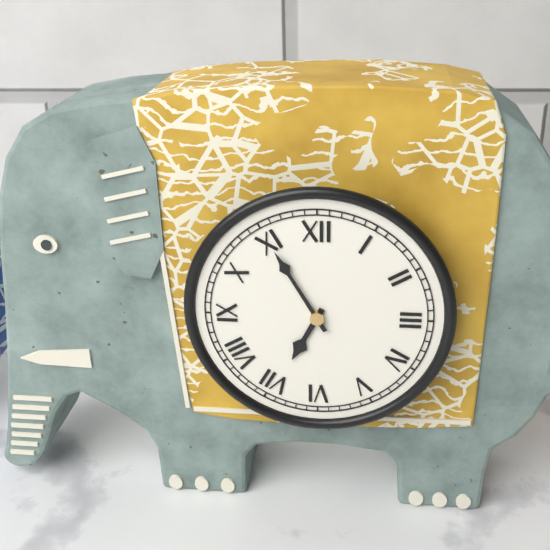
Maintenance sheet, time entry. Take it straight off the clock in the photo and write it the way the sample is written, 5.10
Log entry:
6.55
